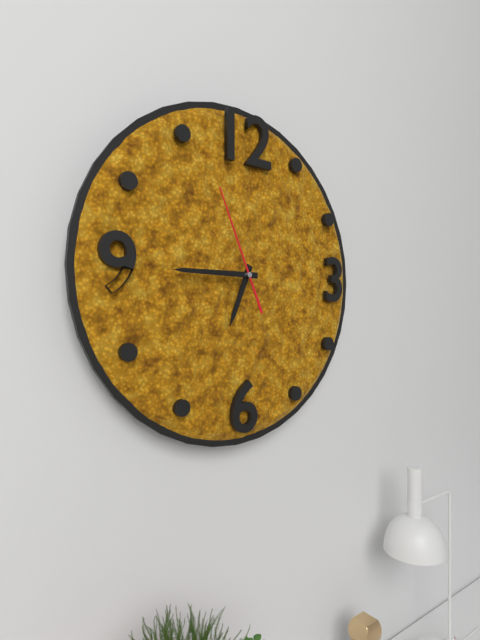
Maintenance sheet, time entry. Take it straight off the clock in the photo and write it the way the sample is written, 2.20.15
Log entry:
6.45.56
